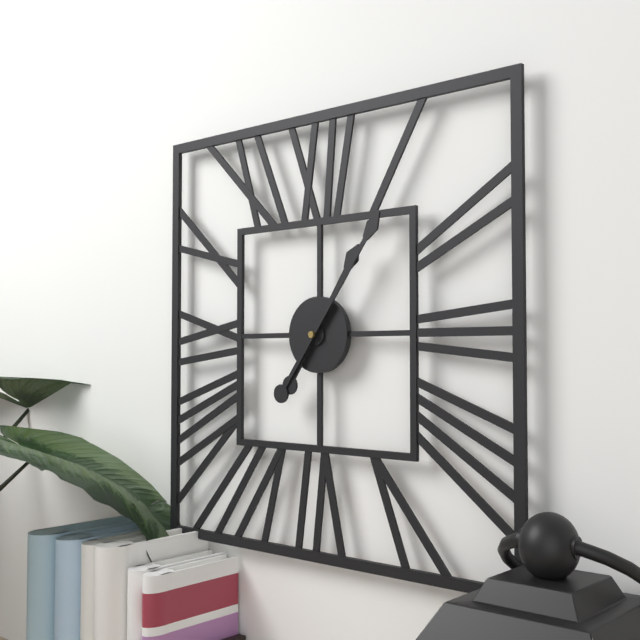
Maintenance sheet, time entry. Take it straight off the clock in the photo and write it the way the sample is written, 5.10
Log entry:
1.06
